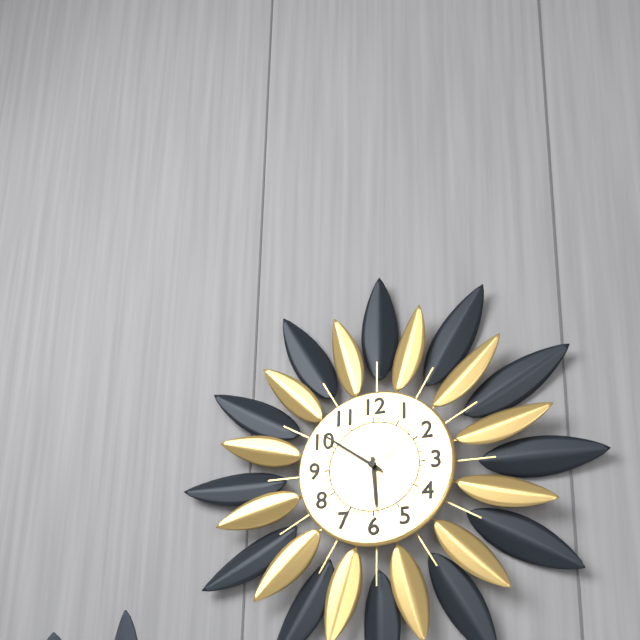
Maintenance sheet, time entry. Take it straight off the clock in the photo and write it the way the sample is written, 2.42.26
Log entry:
5.51.08
